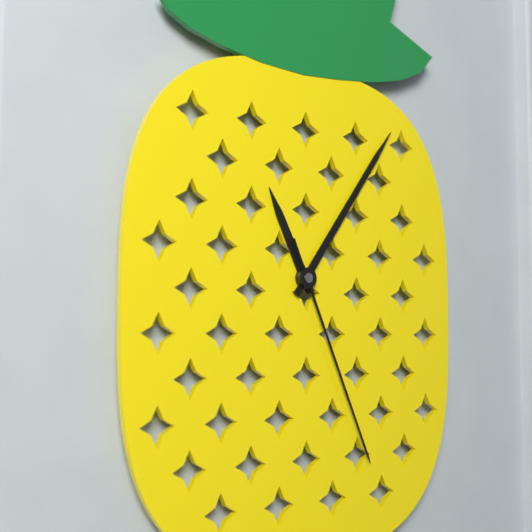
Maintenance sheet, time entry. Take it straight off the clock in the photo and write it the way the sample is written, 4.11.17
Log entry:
11.06.26
